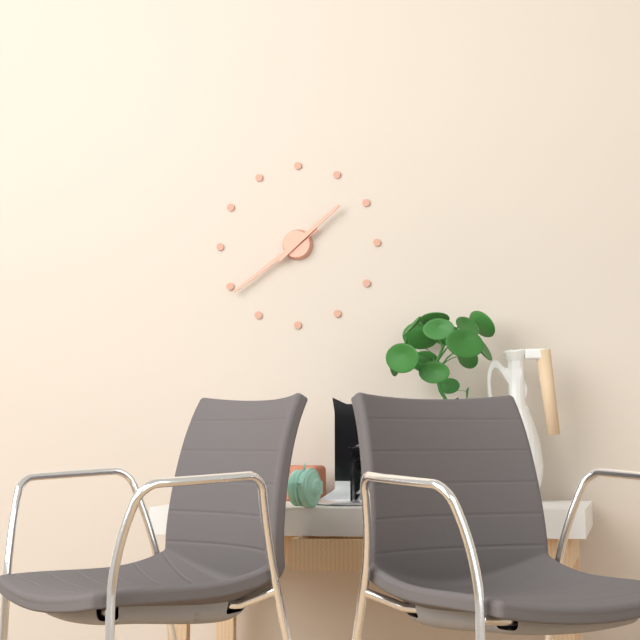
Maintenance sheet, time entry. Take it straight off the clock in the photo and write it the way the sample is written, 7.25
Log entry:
1.39
